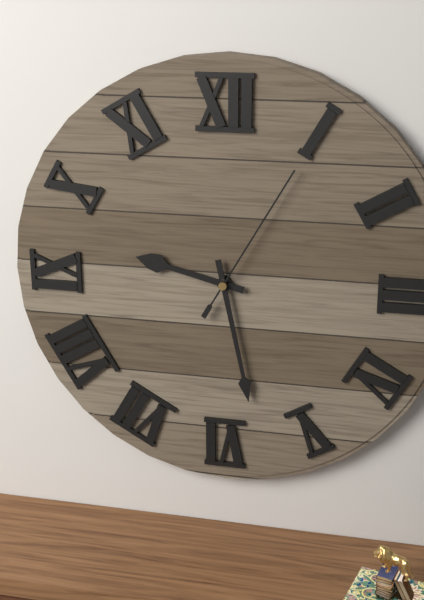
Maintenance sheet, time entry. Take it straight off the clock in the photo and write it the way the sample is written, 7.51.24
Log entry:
9.28.05
